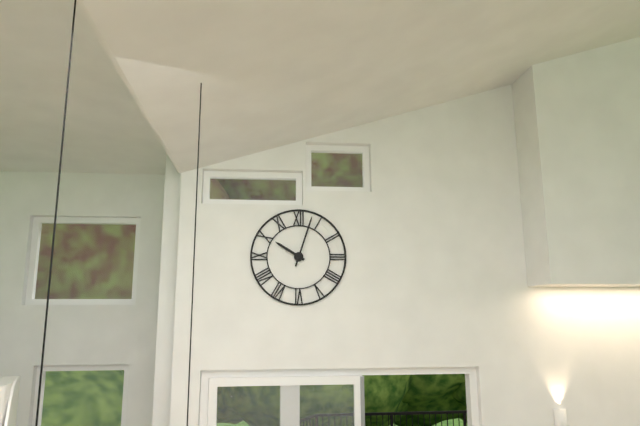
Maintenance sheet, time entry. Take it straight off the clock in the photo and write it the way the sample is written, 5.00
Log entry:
10.03
